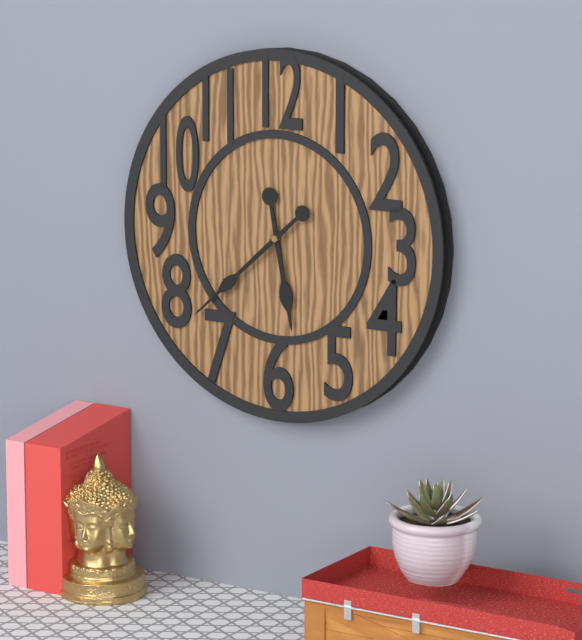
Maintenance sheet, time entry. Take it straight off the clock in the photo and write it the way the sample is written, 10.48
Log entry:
5.38
